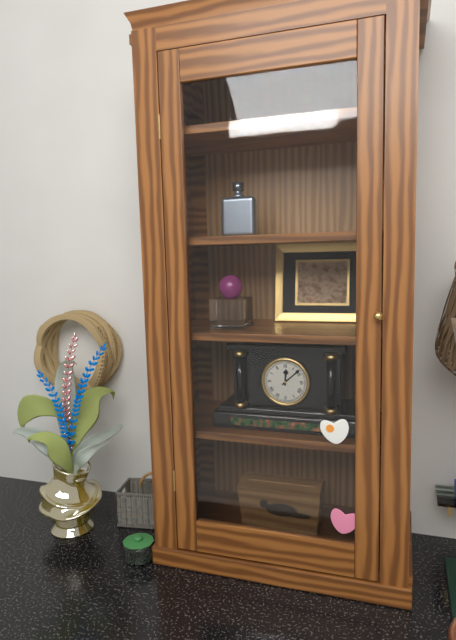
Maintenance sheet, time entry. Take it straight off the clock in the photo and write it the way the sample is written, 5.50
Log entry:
12.08
